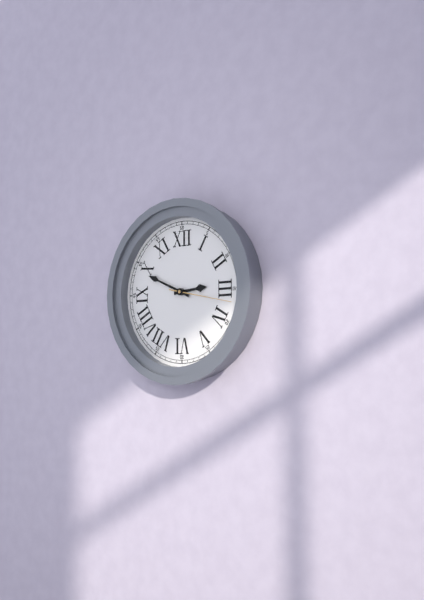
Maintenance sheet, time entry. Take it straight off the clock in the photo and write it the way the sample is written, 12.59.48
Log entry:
2.49.17
